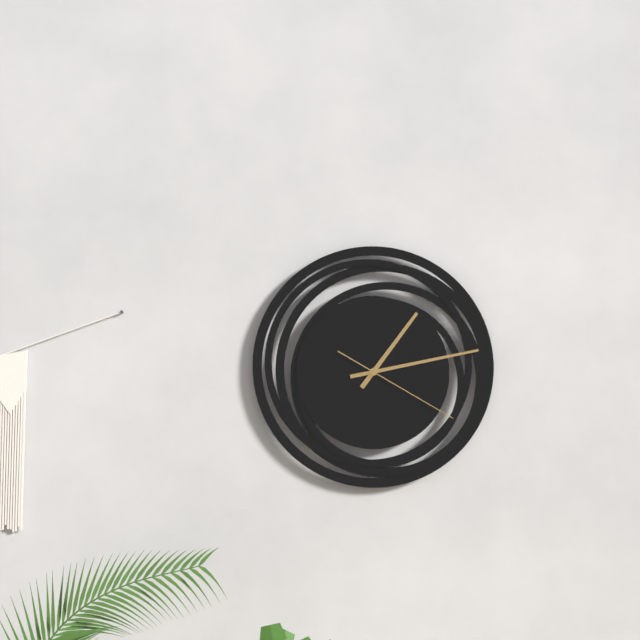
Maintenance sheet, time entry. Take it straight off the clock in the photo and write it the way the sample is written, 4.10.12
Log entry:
1.13.20
